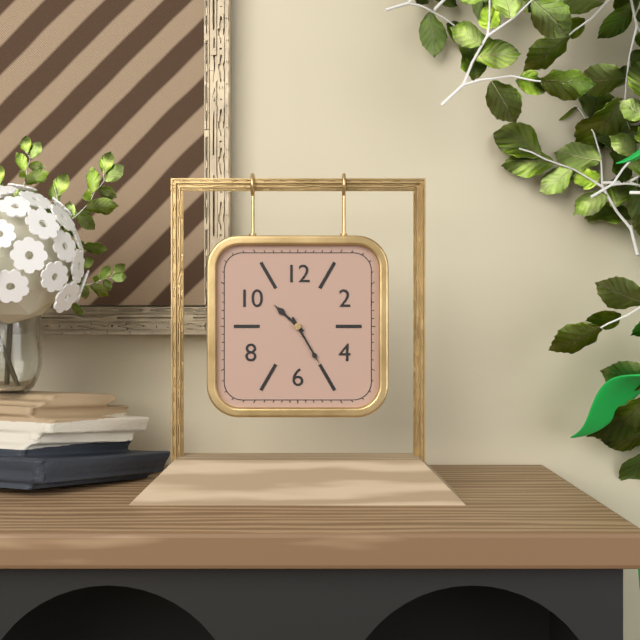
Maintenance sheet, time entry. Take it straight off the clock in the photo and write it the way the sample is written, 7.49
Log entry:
10.25
